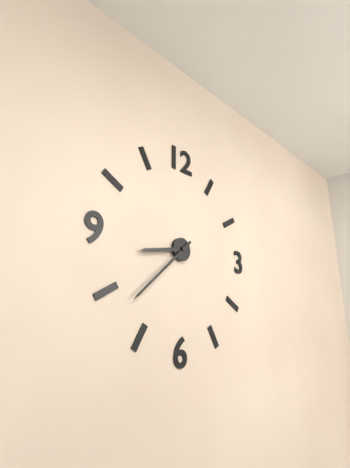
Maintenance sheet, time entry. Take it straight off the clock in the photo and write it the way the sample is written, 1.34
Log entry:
8.38
